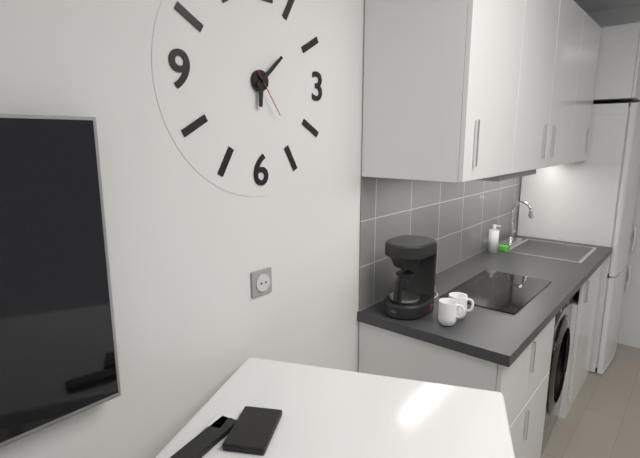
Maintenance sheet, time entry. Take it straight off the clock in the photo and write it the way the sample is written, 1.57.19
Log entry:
6.08.24
